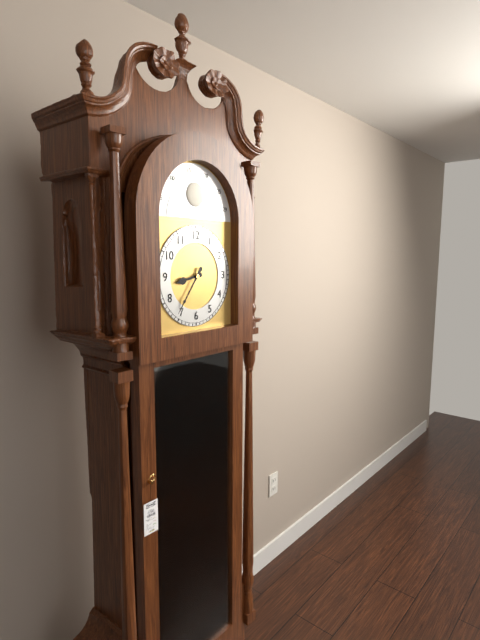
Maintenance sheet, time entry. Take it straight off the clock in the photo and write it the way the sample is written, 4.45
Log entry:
8.36
